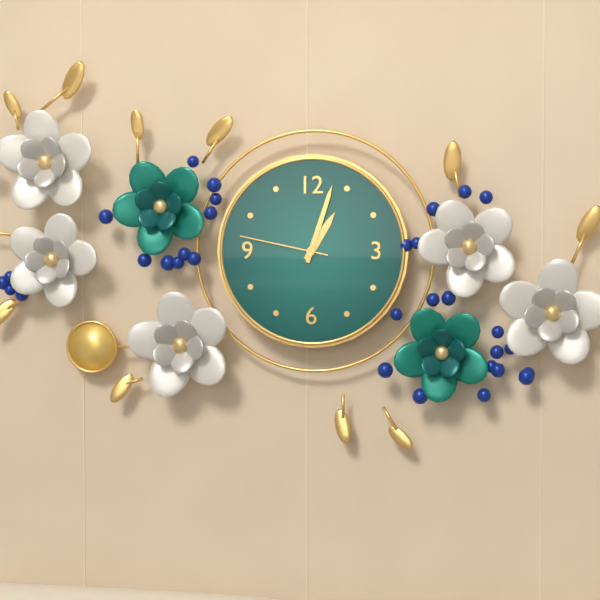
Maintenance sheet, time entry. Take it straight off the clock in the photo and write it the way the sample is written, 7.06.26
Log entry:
1.03.47
